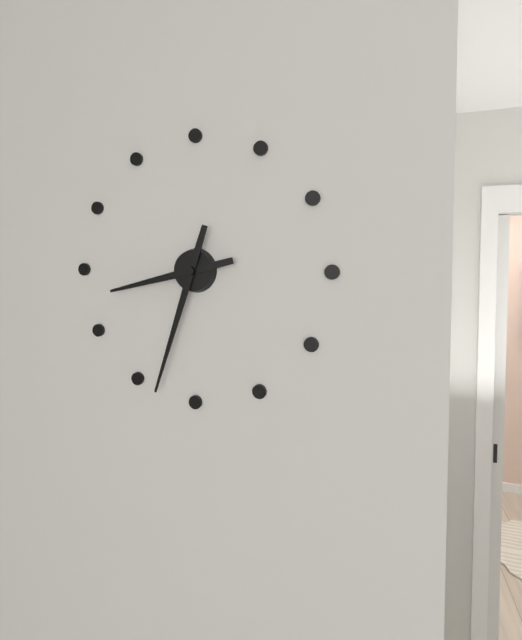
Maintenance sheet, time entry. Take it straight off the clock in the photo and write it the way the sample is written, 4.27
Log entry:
8.33
